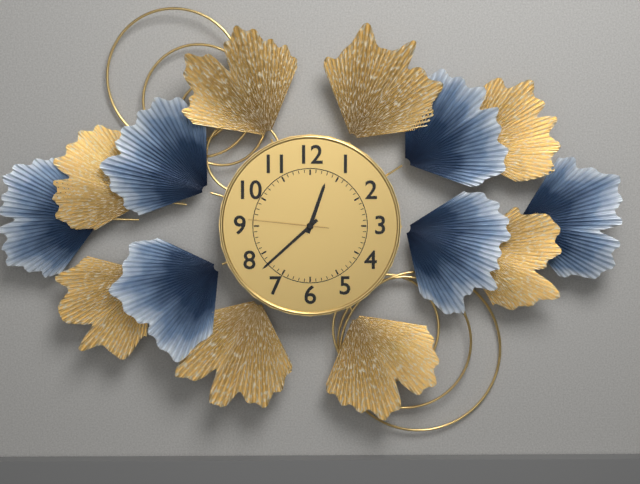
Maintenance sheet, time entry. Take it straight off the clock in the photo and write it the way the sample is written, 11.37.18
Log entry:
12.38.46
